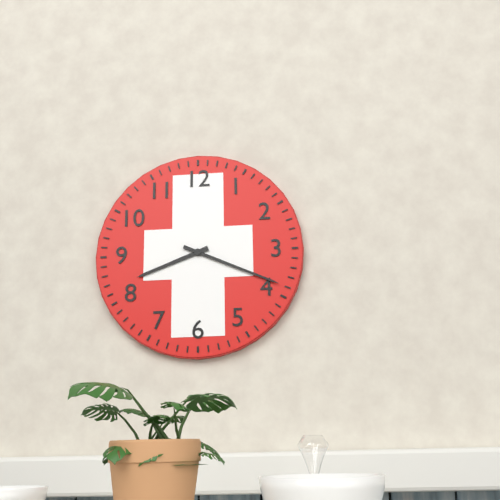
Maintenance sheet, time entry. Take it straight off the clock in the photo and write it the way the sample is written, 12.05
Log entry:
8.19
